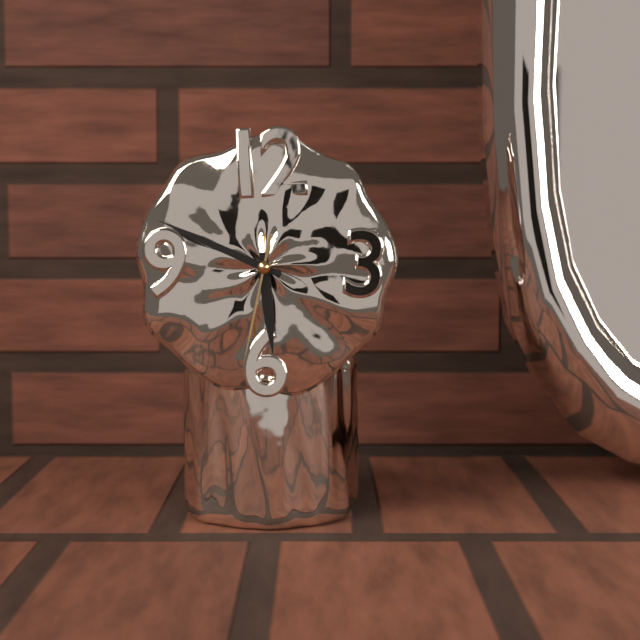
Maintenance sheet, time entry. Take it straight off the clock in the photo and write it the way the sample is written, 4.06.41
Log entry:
5.49.32
